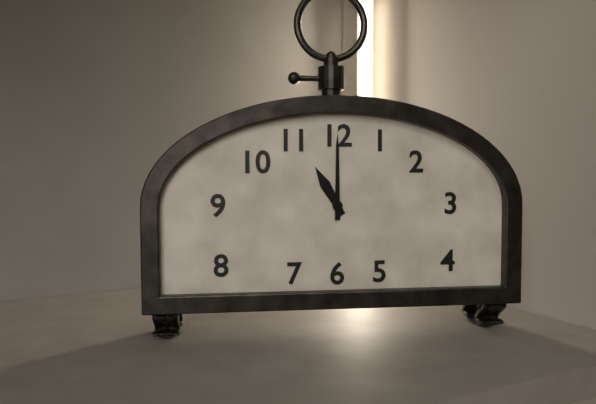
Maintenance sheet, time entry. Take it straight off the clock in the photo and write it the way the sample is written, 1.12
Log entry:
11.00
